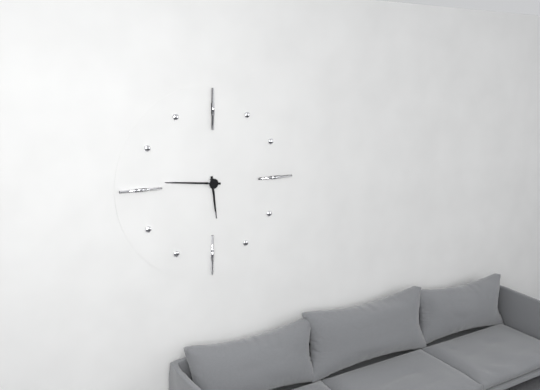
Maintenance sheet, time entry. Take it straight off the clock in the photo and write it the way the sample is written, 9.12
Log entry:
5.46
